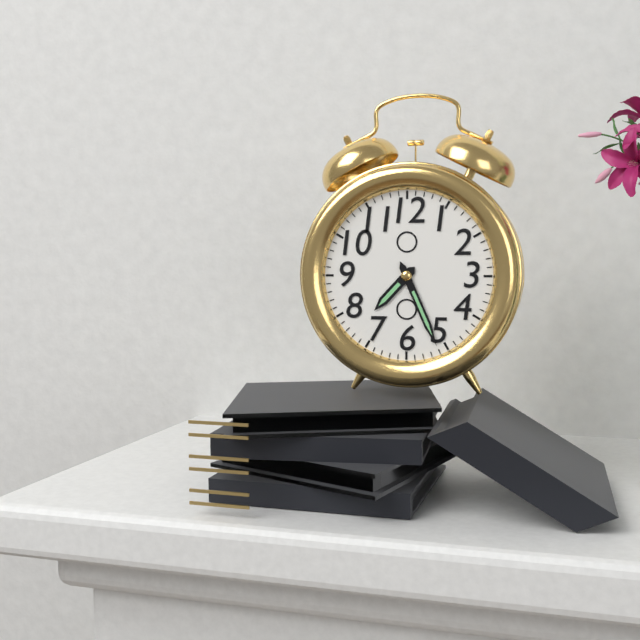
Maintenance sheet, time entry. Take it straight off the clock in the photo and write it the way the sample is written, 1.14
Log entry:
7.26
